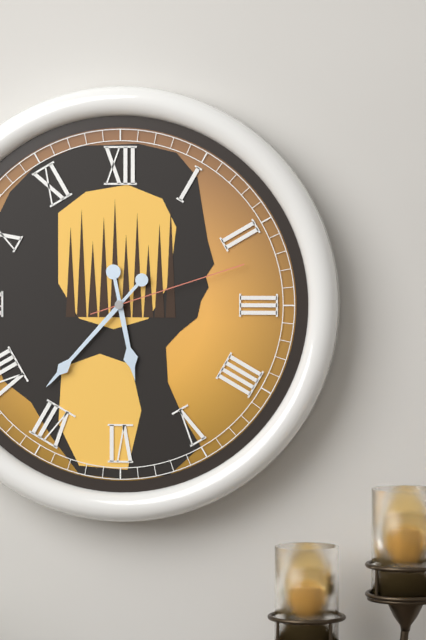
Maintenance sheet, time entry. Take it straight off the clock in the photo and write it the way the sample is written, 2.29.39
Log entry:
5.37.12
